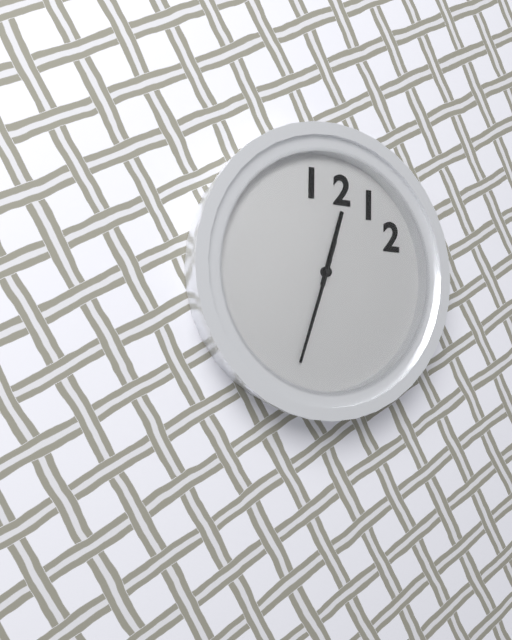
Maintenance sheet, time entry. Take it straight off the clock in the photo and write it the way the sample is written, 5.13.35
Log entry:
12.33.33
